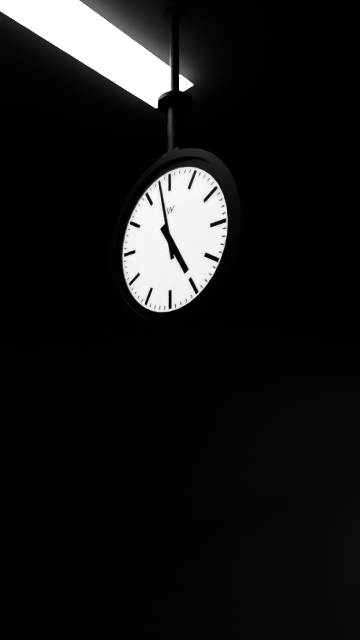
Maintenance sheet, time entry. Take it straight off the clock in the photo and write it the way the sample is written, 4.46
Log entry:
4.58
